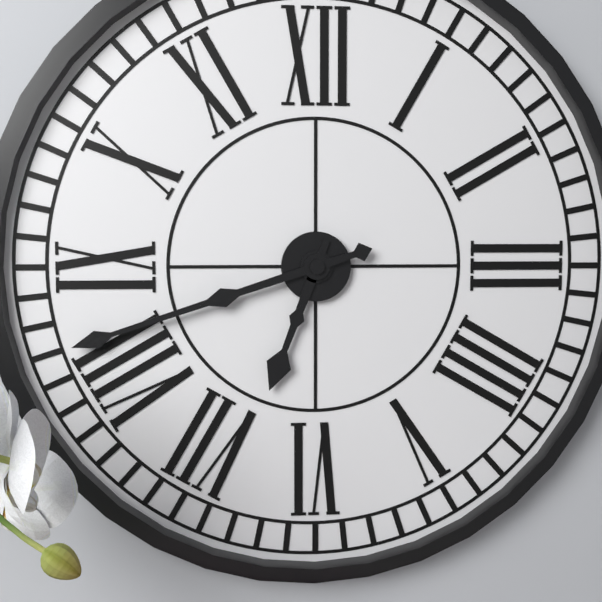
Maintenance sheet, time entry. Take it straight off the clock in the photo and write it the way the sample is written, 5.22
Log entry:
6.42
